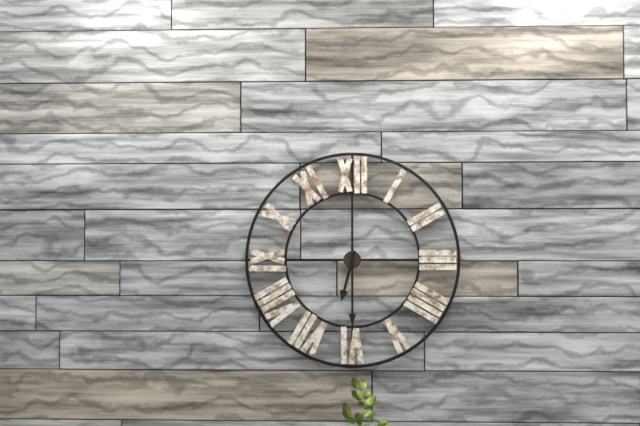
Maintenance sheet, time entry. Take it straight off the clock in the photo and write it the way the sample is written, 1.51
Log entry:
6.30
